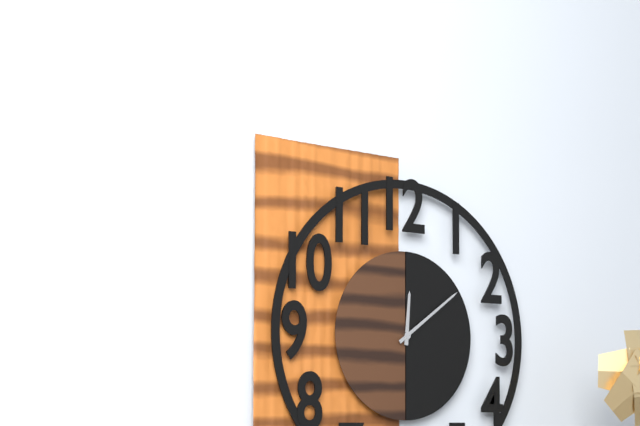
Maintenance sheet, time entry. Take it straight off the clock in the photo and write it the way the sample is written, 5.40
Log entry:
12.09
